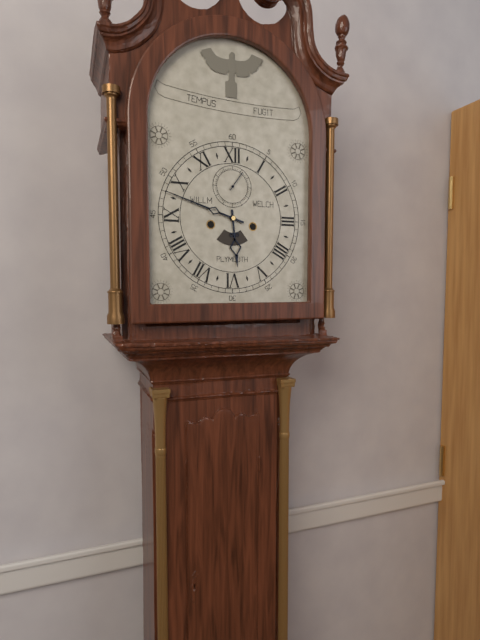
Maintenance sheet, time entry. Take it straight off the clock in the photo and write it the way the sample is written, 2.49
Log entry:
5.48
